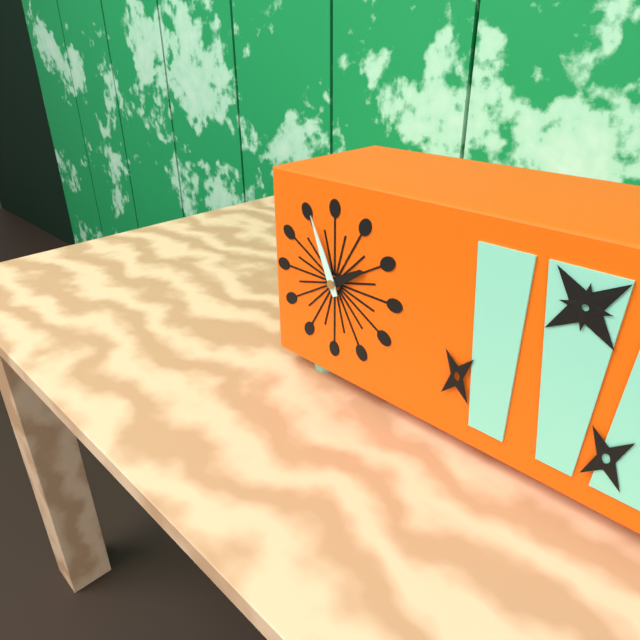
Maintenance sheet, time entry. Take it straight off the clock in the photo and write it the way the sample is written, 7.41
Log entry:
1.56
